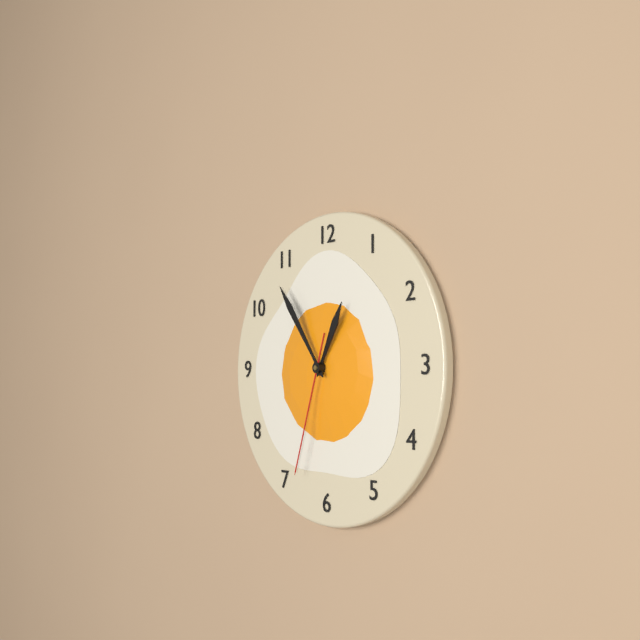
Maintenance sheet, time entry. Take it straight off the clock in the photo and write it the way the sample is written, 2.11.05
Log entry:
12.54.33
